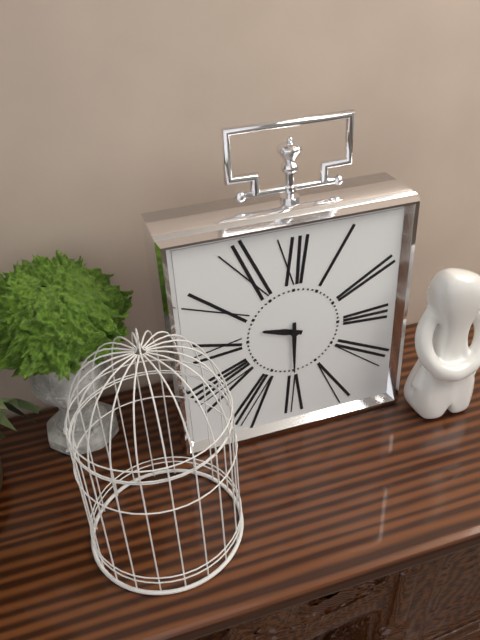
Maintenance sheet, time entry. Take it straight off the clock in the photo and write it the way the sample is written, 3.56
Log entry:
9.30
